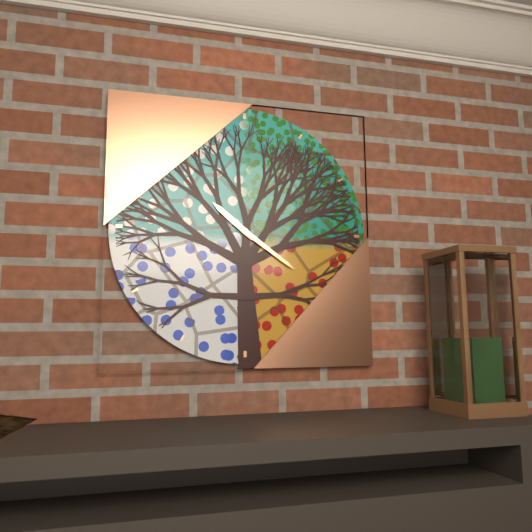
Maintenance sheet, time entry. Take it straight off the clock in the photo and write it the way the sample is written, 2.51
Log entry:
10.21
